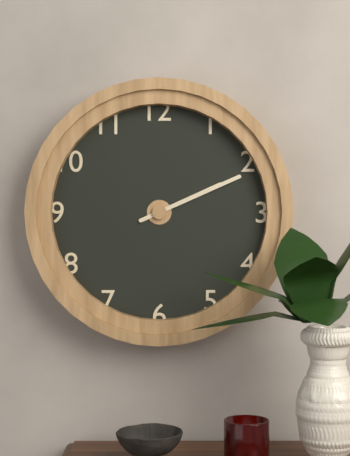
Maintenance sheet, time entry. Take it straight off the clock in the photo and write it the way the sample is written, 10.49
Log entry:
2.11
